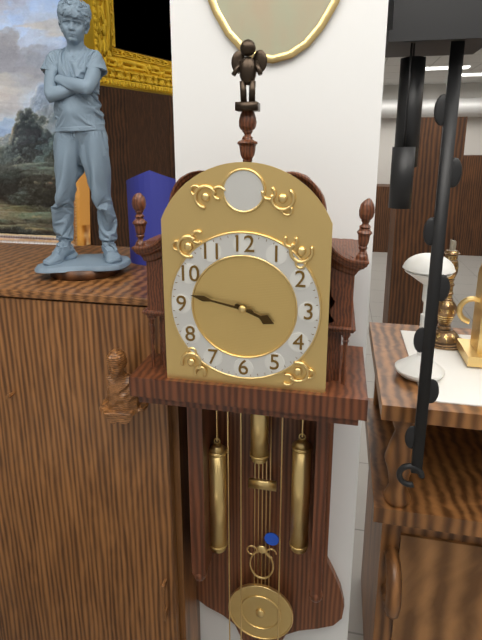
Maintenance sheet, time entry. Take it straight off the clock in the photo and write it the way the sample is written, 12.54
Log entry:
3.47
